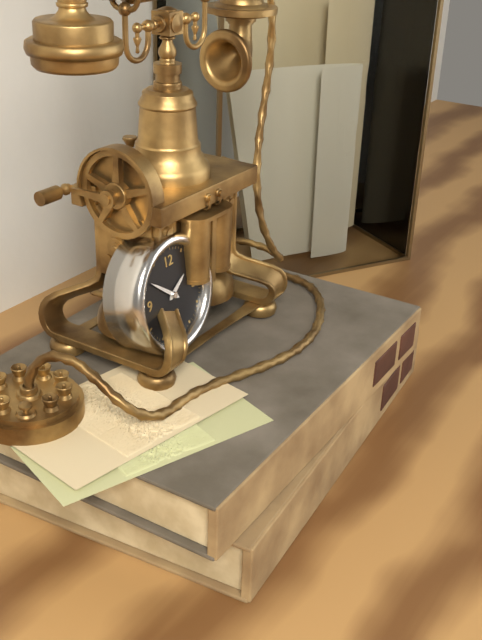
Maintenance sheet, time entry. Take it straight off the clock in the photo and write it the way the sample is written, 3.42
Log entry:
1.51
